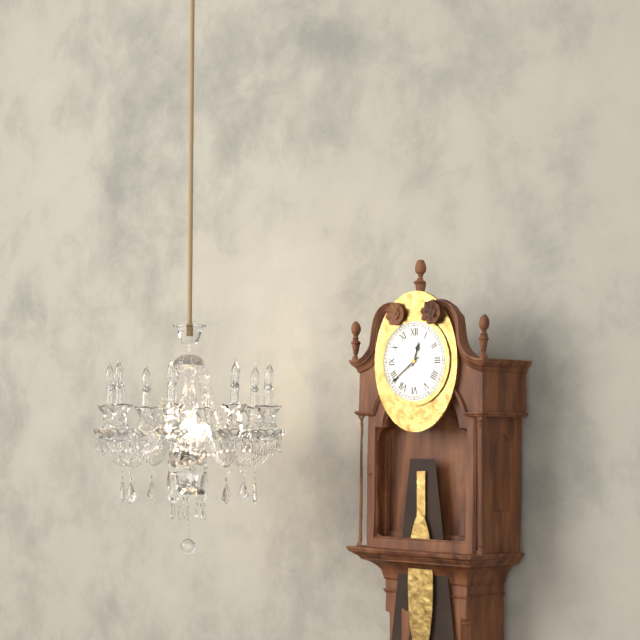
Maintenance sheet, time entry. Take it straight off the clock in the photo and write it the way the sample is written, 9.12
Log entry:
12.39
